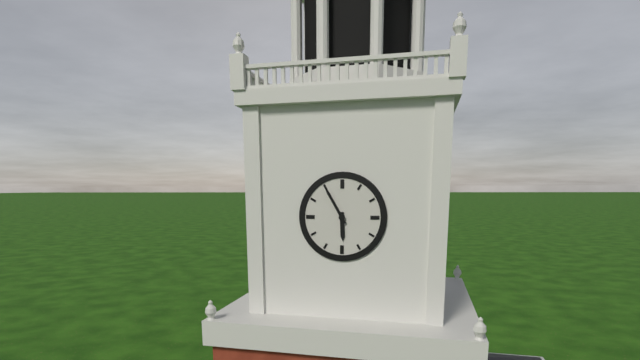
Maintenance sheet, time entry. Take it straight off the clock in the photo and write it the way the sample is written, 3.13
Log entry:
5.55
